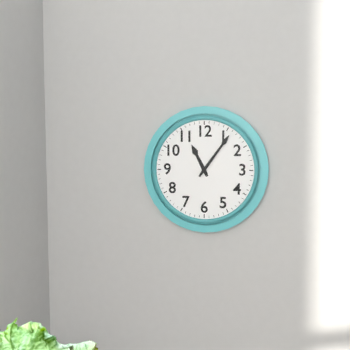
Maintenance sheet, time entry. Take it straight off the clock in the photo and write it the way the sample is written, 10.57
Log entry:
11.06
